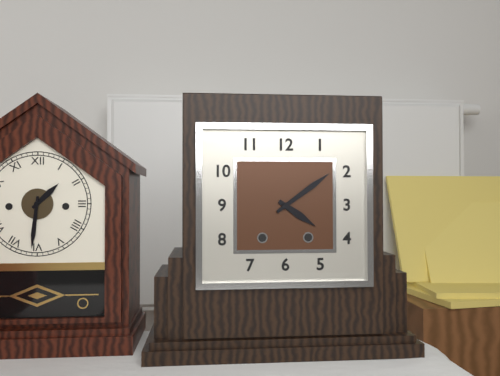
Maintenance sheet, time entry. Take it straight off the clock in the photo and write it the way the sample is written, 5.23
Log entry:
4.09
